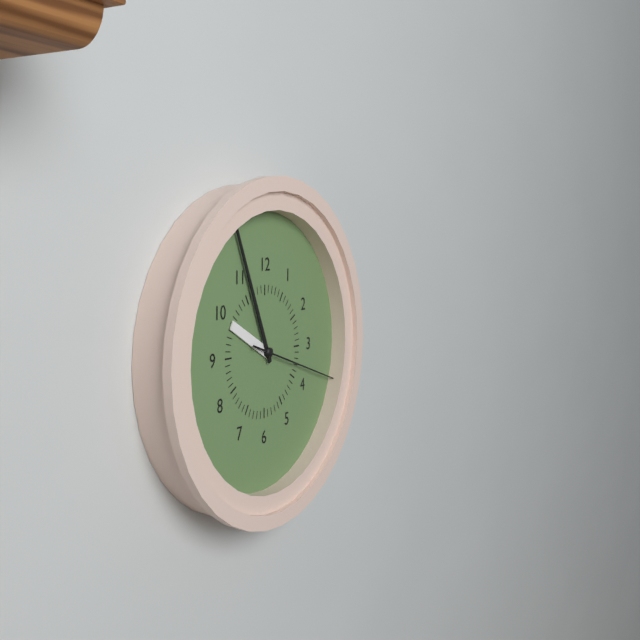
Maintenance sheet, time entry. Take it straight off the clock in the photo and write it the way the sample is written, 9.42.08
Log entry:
9.56.18
